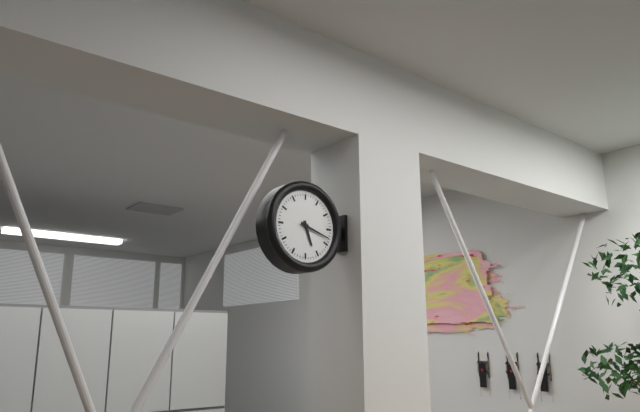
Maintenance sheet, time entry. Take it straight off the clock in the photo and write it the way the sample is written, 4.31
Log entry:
5.18
